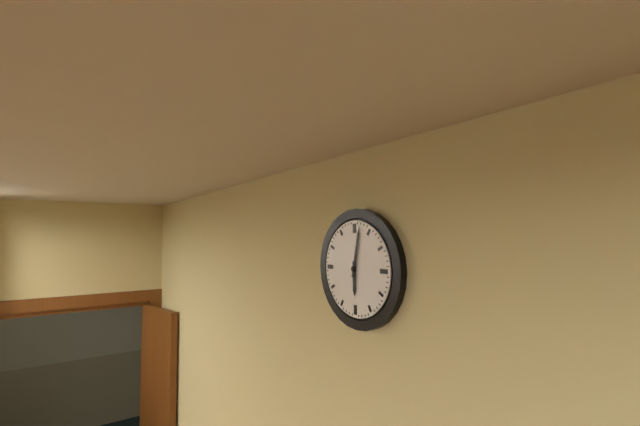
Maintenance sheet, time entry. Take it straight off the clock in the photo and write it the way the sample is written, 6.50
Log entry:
6.02
